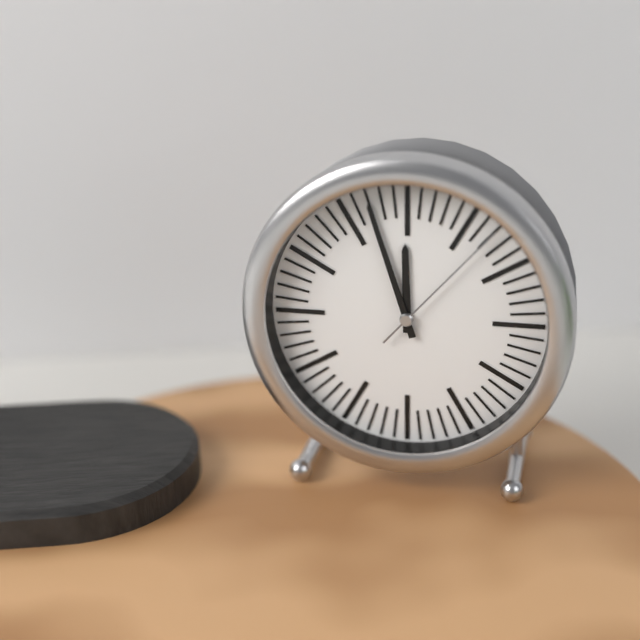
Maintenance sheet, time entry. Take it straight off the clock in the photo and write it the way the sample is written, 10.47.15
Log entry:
11.57.07
